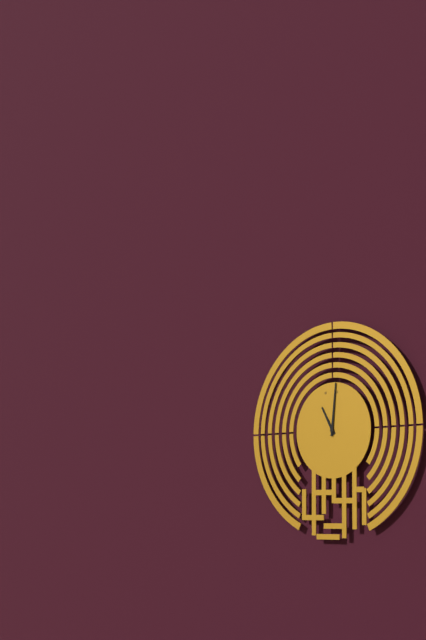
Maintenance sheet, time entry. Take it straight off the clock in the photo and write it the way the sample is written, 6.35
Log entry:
11.01
